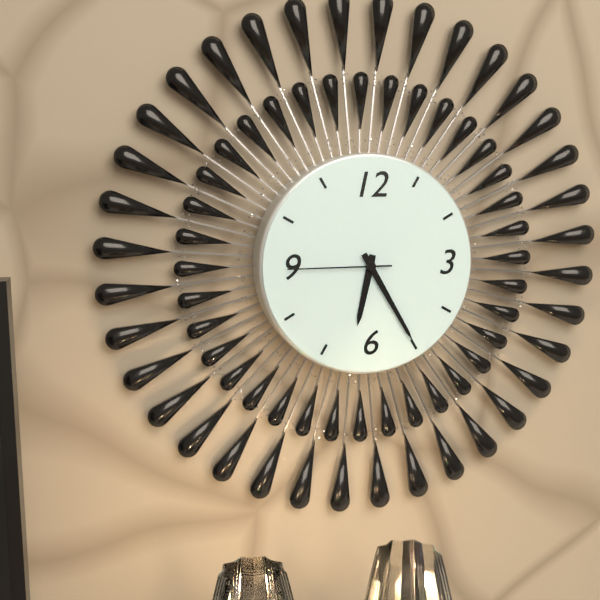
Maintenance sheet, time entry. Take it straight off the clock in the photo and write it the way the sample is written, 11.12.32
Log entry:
6.25.45
